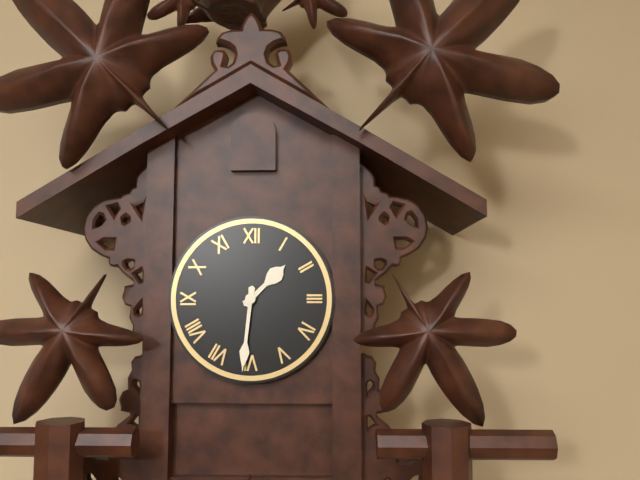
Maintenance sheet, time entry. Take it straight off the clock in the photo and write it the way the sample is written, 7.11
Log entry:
1.31
